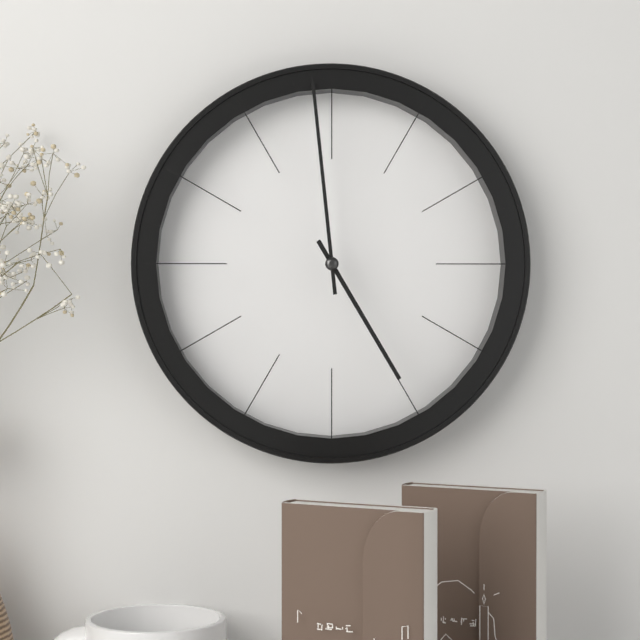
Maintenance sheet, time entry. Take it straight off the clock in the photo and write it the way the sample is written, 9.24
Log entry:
4.59
